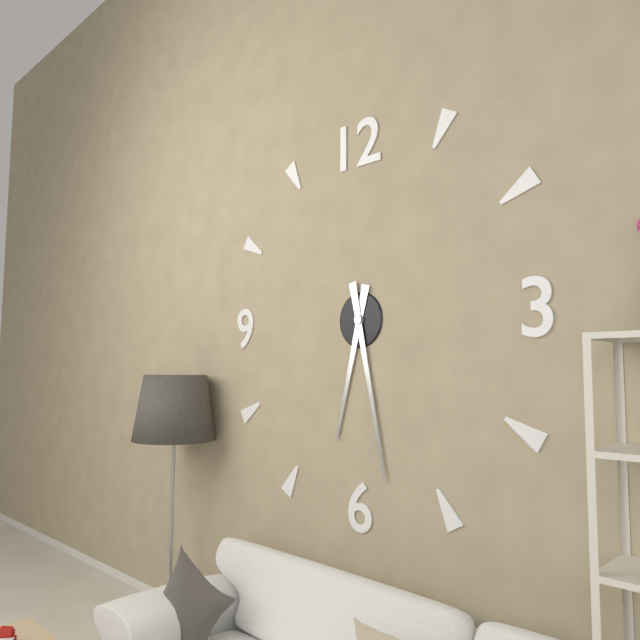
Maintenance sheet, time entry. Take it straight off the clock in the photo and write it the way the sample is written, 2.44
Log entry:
6.28
